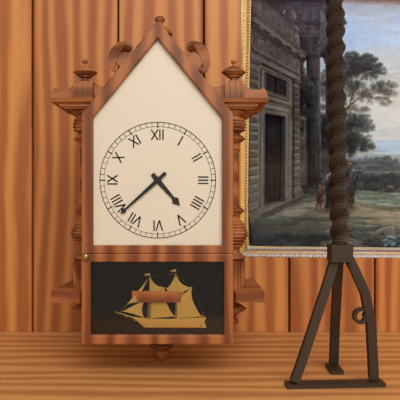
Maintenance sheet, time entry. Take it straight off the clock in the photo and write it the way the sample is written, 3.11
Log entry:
4.38
